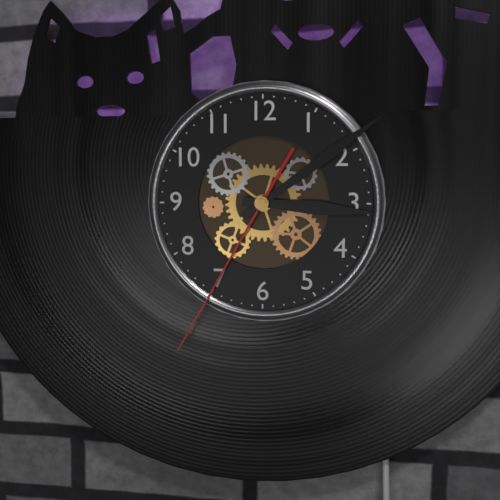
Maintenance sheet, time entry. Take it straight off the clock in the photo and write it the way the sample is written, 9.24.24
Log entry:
3.09.35
